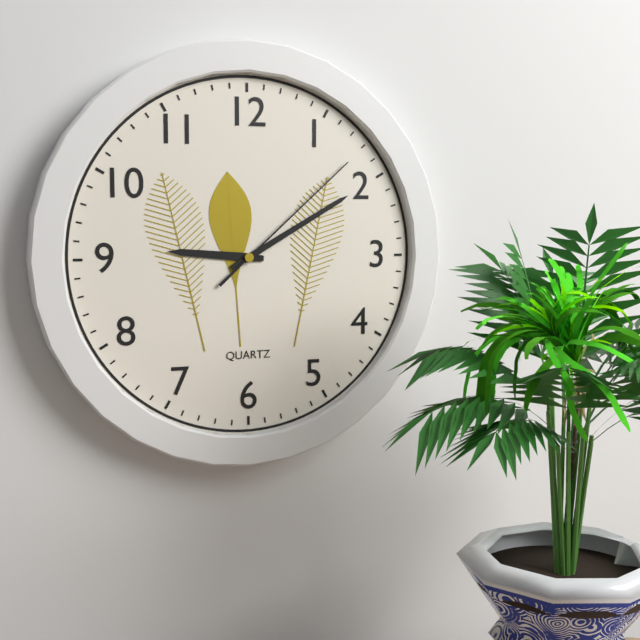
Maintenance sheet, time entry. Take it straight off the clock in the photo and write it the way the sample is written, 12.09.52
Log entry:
9.10.08
